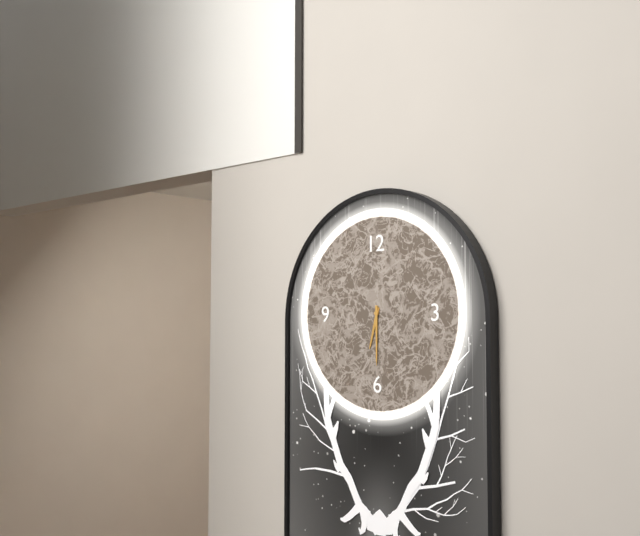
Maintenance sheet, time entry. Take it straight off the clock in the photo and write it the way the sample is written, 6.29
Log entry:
6.30
